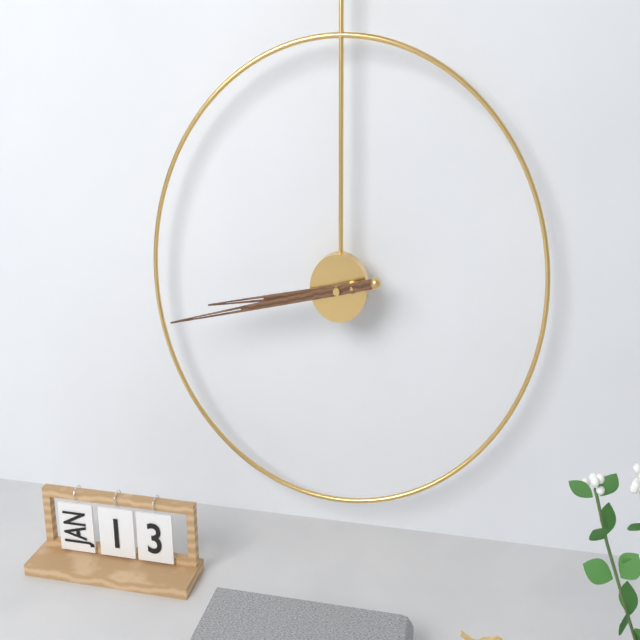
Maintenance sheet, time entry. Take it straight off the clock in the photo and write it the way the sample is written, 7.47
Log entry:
8.43
